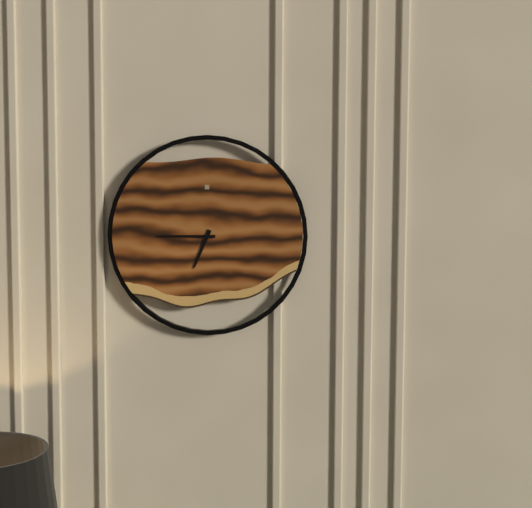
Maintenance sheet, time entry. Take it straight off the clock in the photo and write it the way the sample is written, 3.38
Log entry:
6.45
